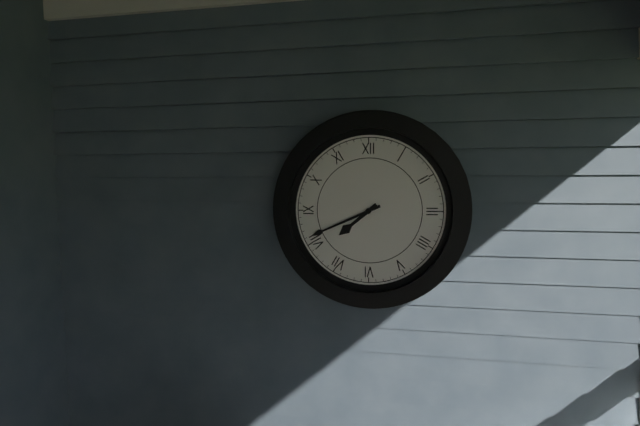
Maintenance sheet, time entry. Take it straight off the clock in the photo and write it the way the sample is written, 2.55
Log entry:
7.41
